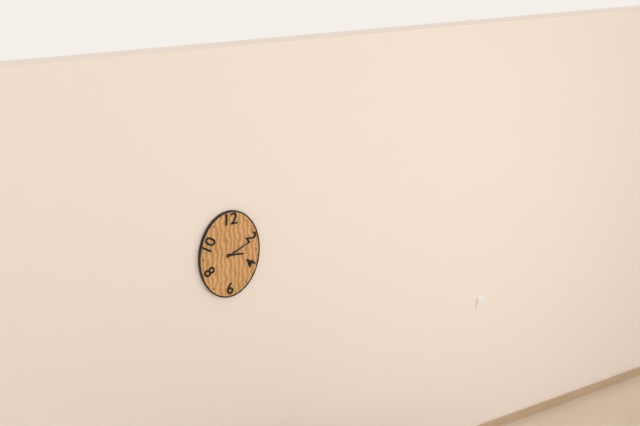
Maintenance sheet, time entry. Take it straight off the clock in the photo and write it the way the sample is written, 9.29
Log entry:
3.11
